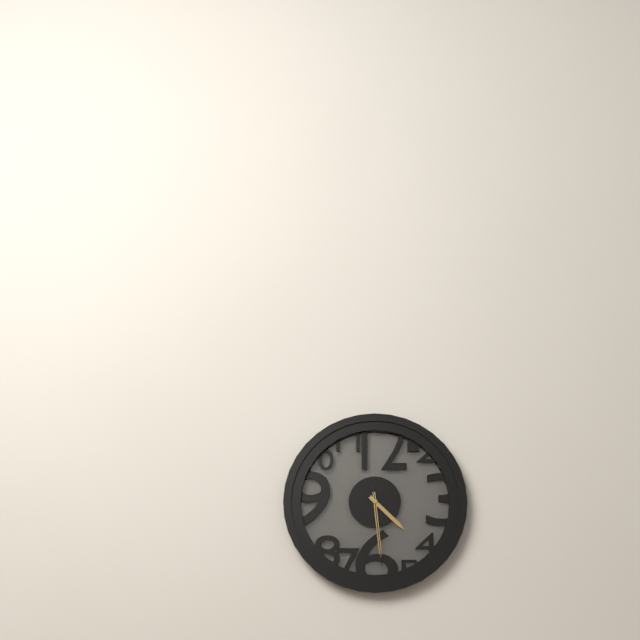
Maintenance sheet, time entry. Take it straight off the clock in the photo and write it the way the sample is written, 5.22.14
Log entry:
4.29.29
